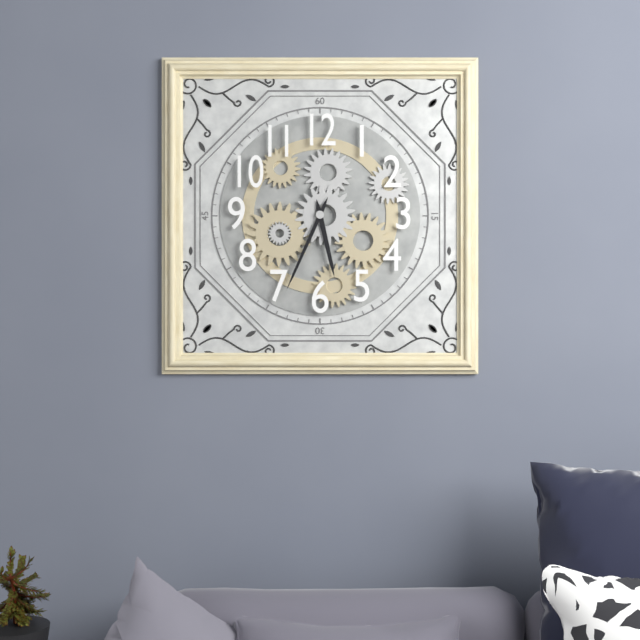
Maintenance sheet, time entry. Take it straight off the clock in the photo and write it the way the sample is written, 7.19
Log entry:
5.34
